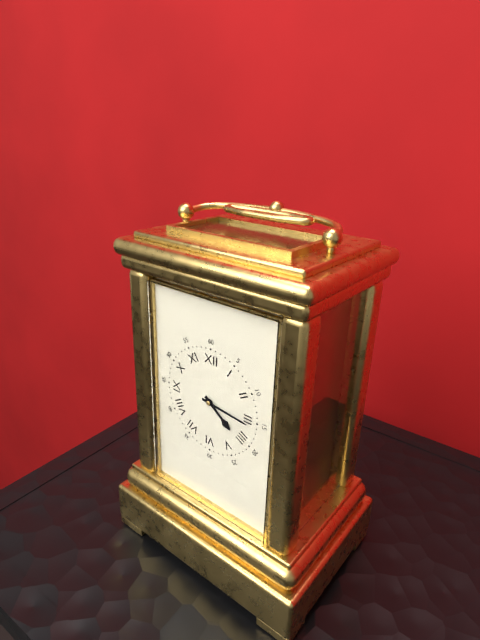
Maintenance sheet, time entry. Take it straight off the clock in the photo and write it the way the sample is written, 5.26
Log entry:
4.16
